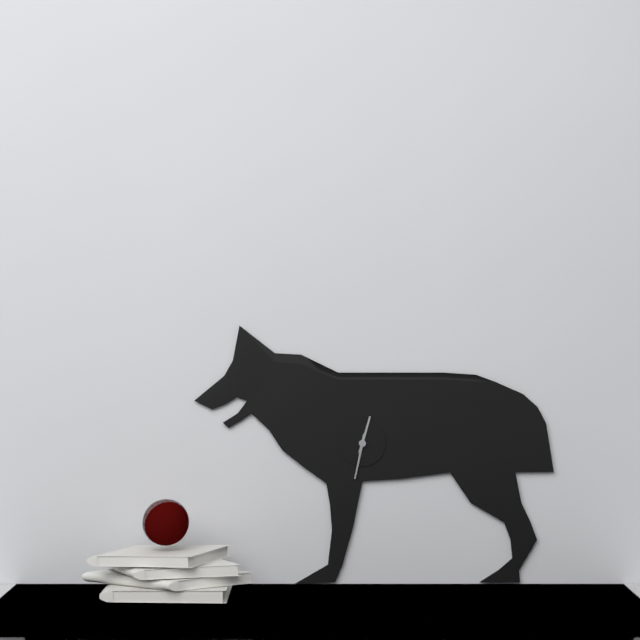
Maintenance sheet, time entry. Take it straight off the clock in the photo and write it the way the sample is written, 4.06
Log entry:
12.32
